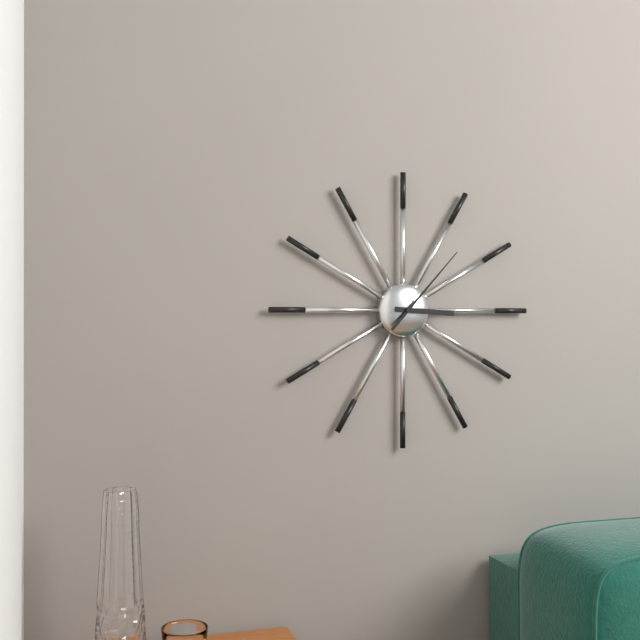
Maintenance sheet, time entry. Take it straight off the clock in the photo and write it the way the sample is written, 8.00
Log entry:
3.07
